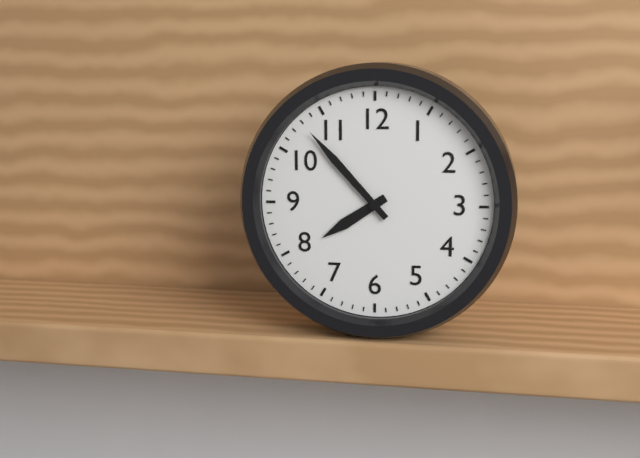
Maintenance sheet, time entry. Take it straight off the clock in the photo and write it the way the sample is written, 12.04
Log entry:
7.53
